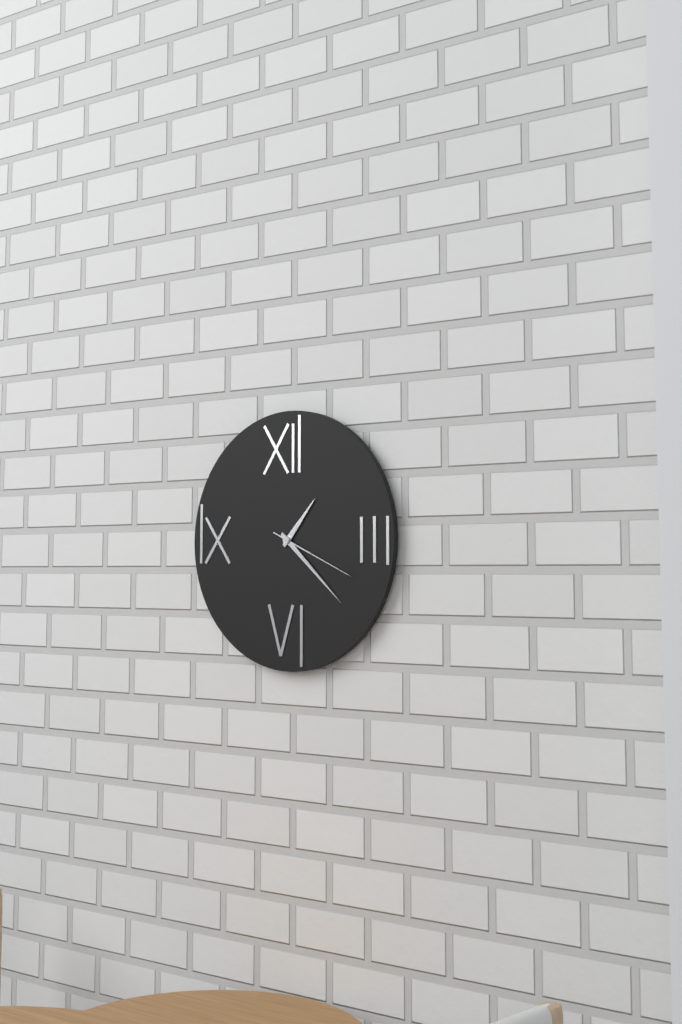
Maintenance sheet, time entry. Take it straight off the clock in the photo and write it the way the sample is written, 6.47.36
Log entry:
1.22.19
